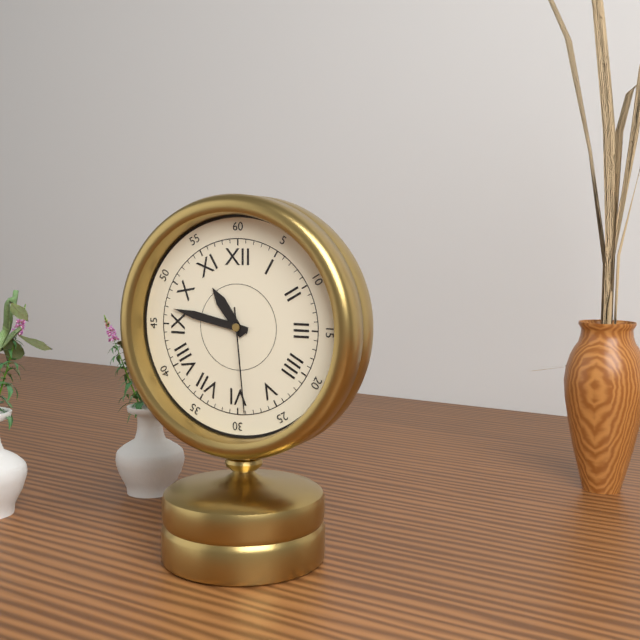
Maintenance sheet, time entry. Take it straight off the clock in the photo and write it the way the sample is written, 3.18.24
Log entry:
10.47.29
